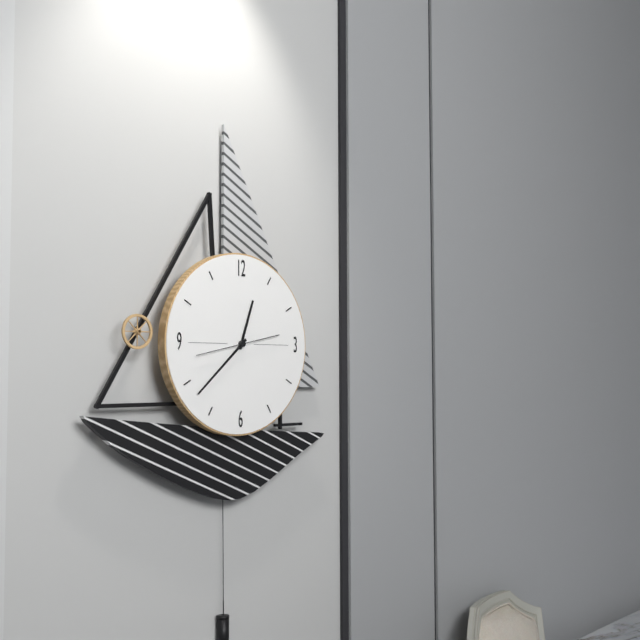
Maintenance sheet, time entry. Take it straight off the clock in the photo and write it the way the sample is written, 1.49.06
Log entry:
12.38.43
